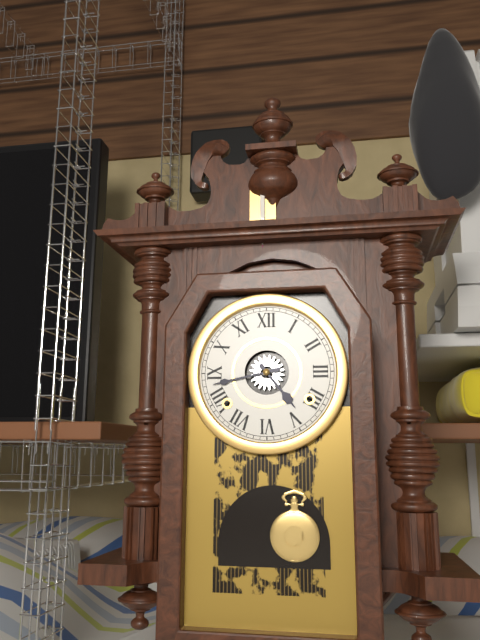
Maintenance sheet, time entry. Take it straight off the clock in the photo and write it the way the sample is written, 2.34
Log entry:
4.43
